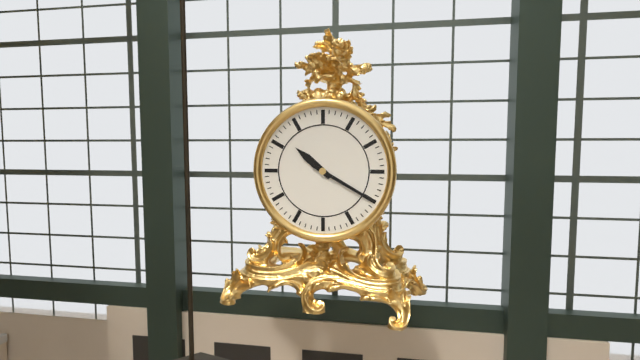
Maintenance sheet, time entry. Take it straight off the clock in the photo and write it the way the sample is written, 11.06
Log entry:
10.20
